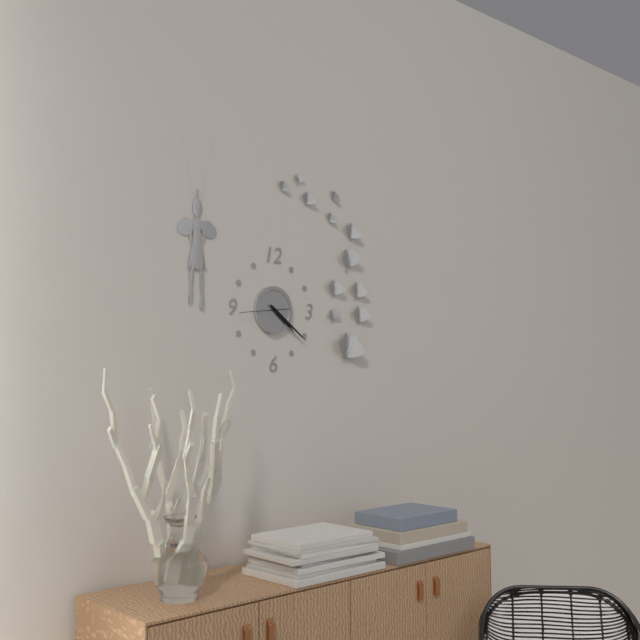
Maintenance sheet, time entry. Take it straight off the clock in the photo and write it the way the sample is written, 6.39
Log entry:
4.21
